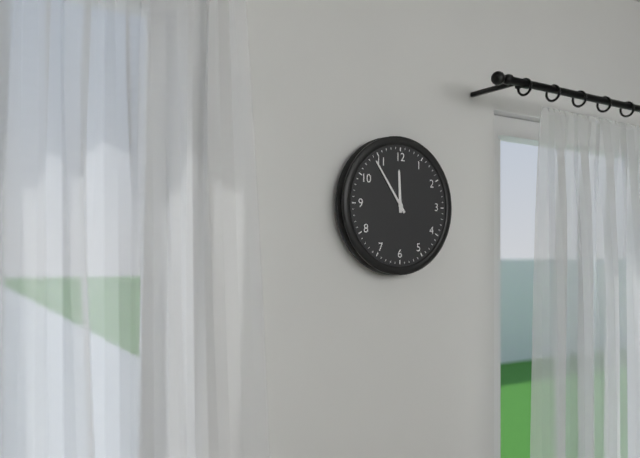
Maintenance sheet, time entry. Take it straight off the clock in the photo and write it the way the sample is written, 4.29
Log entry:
11.54
